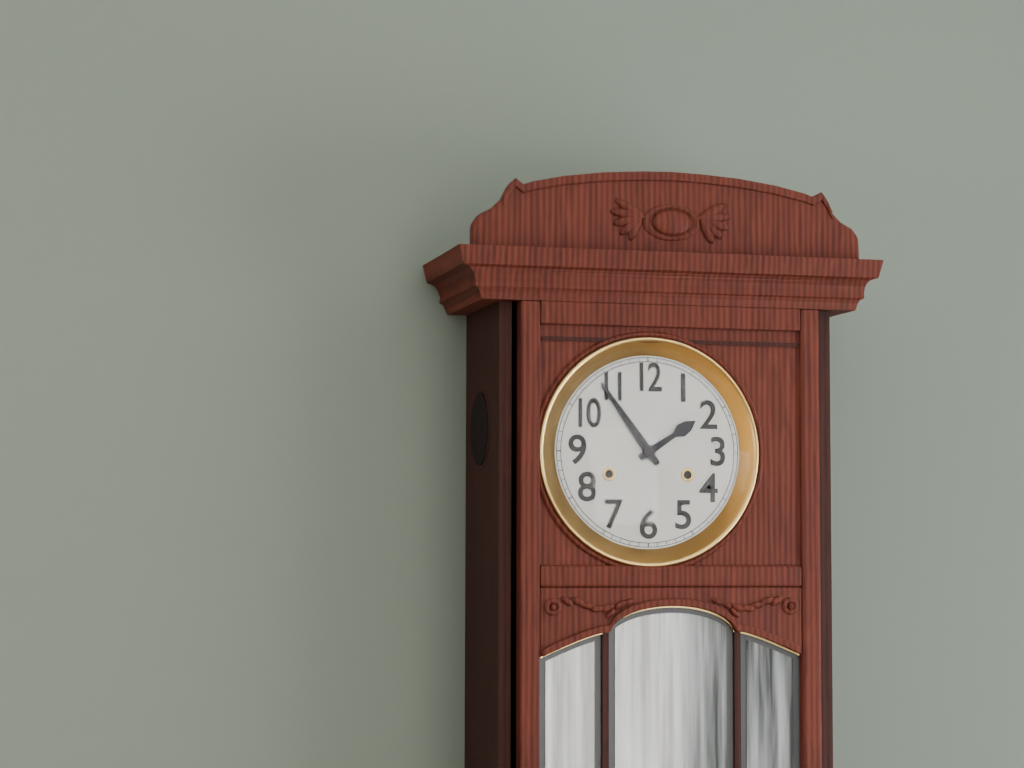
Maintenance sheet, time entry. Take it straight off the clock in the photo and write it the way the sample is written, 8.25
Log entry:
1.54
